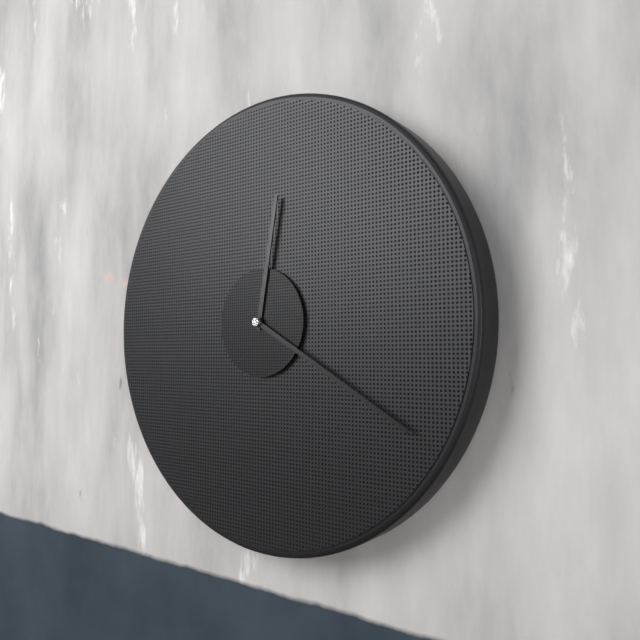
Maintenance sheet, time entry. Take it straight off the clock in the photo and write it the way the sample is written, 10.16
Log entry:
12.20
